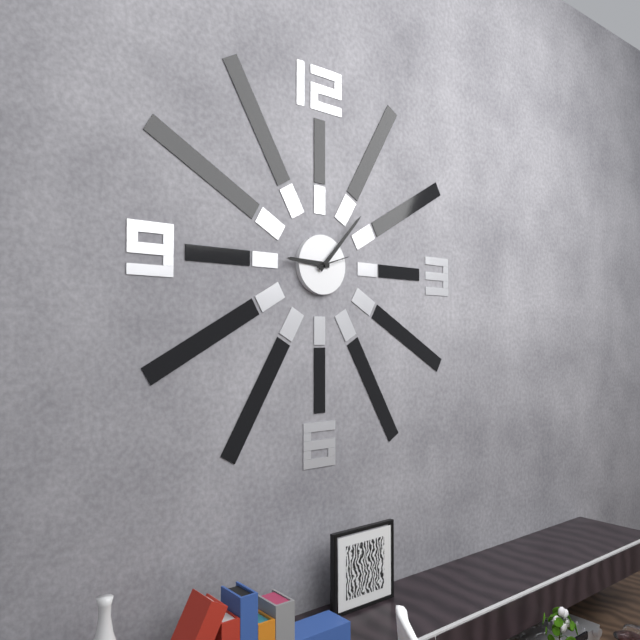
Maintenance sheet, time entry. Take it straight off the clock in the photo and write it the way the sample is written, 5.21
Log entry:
9.07
